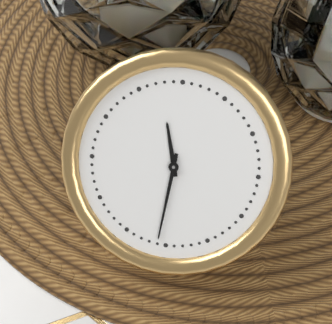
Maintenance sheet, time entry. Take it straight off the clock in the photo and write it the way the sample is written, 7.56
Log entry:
11.31
